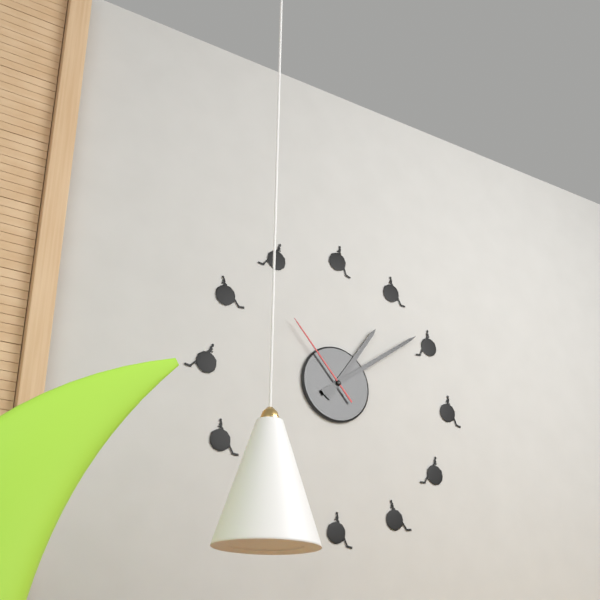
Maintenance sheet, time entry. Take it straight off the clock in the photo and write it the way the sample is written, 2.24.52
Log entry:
1.09.53
